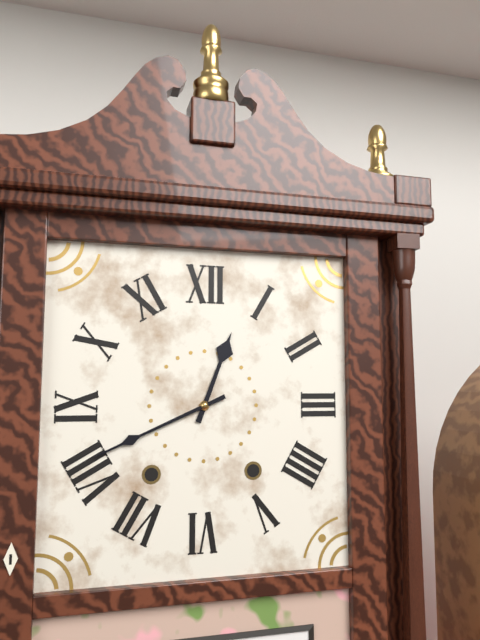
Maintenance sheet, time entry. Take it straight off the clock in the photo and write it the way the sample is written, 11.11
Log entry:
12.41
